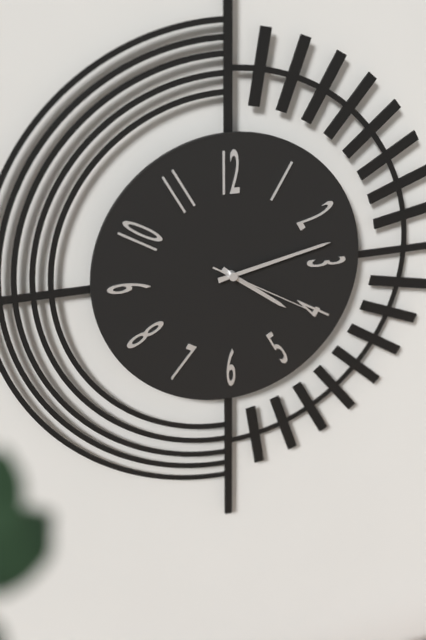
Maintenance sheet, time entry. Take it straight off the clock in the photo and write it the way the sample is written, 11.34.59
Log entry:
4.13.20
